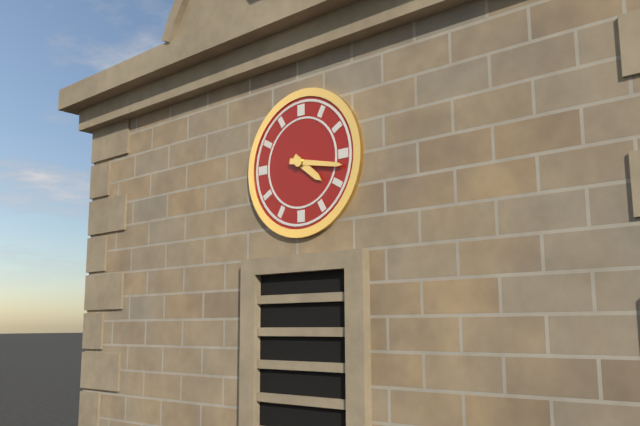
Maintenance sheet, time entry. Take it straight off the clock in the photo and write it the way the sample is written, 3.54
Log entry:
4.17
